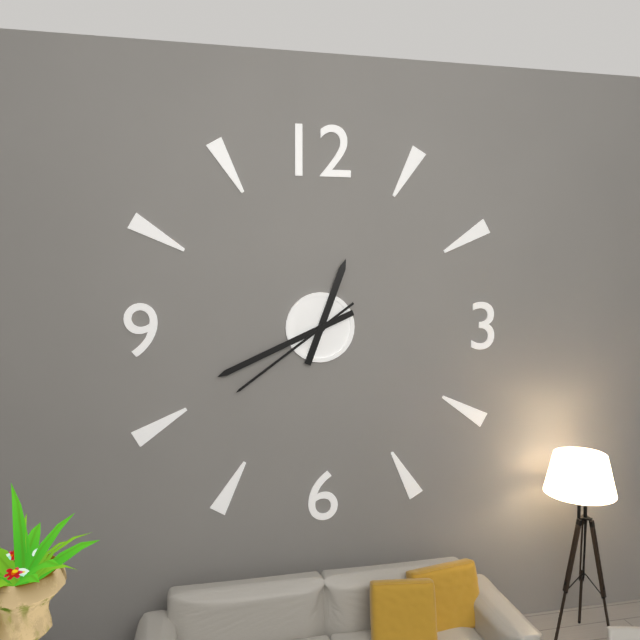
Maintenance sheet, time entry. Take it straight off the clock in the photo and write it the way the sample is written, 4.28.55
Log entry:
12.41.39
